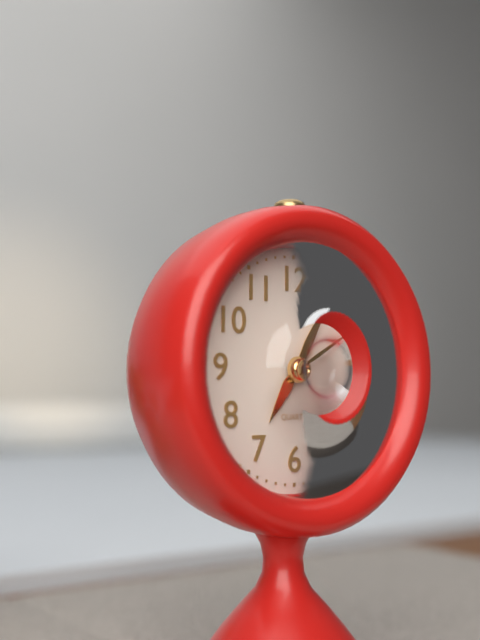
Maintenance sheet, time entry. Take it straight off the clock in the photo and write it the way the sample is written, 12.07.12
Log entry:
7.05.10
